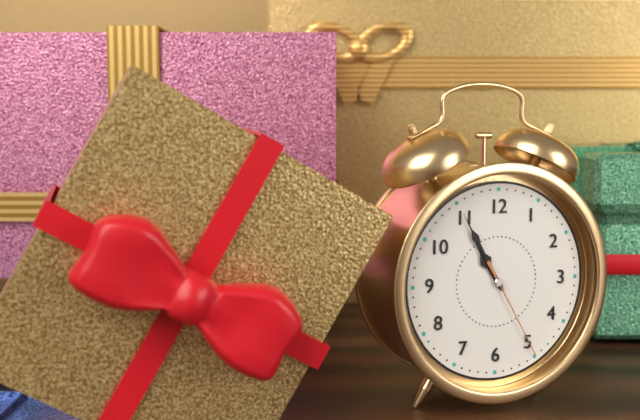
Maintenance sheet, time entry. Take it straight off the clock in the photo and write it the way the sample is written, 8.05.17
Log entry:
10.55.25
